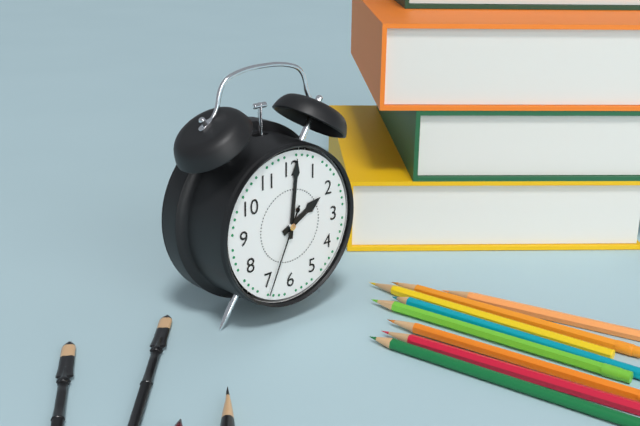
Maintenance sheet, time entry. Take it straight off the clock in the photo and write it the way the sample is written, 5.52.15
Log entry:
2.01.34
